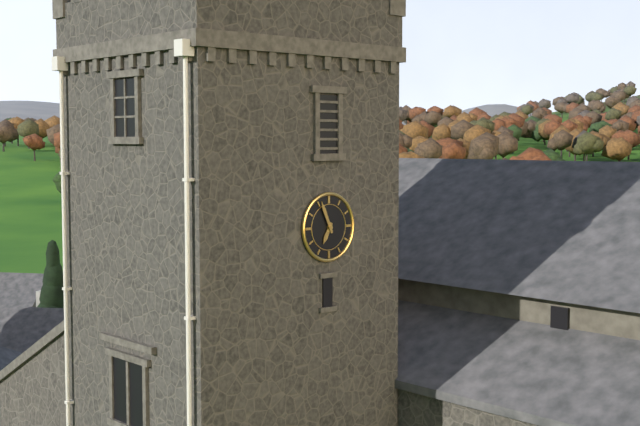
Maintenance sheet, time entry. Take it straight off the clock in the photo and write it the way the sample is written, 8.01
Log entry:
6.56
